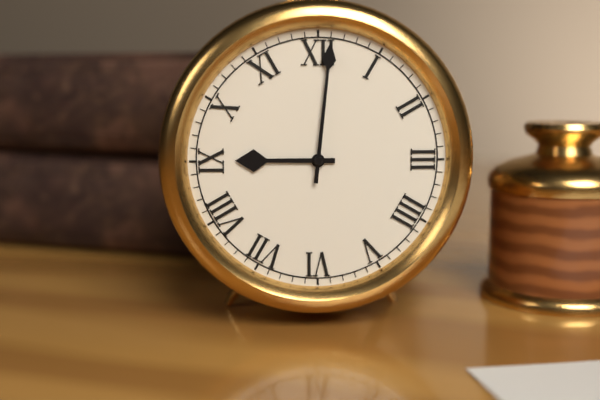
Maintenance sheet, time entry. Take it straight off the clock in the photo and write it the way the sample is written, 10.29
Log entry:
9.01
